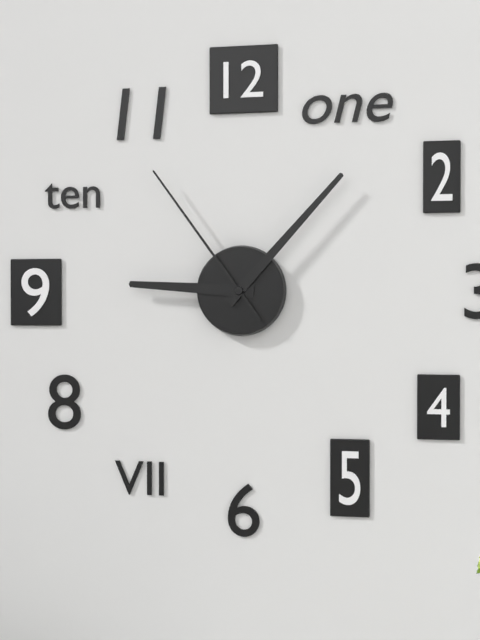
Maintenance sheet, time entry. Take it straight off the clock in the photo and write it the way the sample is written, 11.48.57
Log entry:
9.07.54
